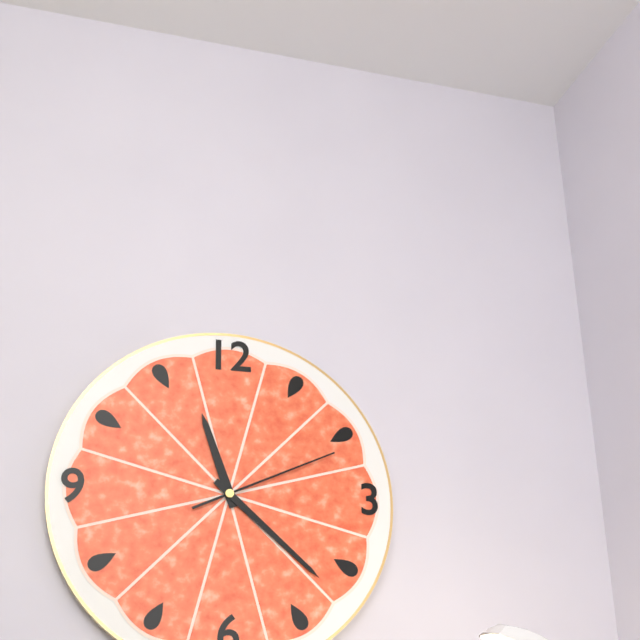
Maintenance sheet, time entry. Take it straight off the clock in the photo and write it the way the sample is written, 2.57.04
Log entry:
11.22.11
